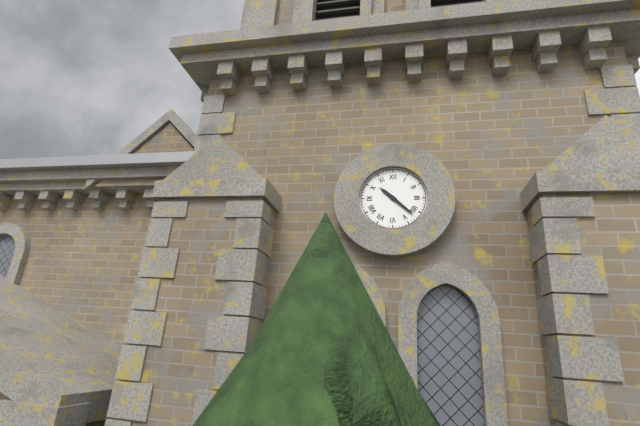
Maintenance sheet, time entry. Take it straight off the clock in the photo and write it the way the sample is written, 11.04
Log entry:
10.22
